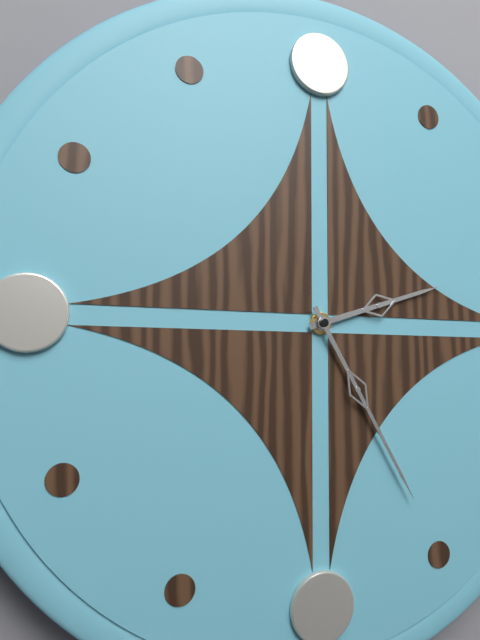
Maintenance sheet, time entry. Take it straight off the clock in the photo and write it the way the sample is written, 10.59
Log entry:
2.25
